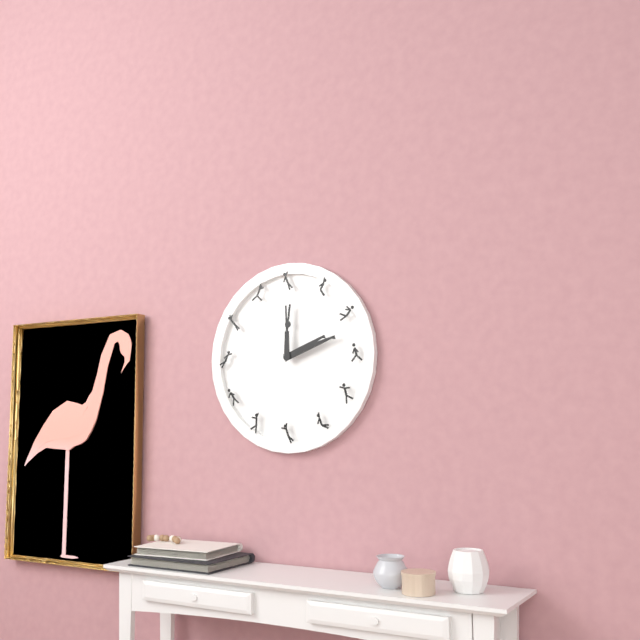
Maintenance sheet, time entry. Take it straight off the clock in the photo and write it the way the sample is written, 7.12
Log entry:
2.12
